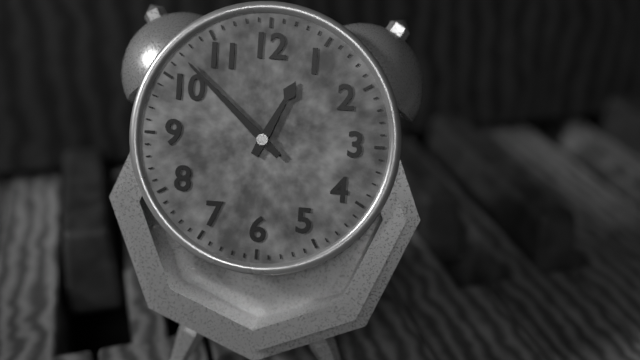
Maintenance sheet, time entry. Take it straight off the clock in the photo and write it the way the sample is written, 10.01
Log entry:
12.52
